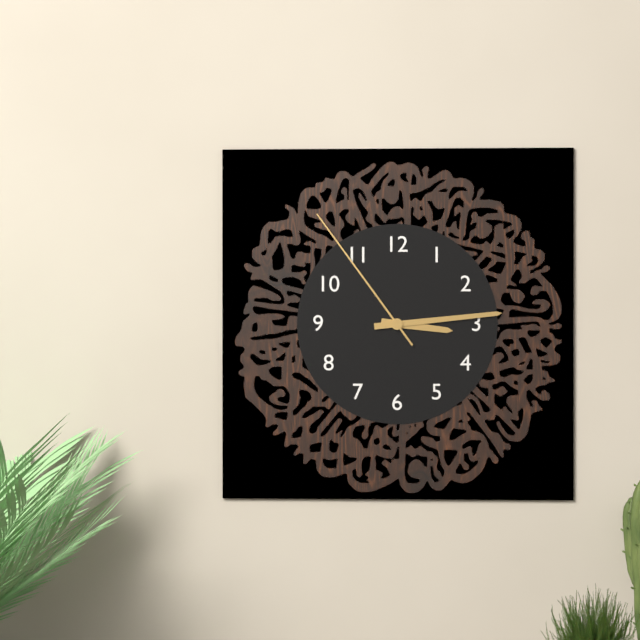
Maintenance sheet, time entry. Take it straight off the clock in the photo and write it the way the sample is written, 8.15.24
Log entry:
3.14.54
